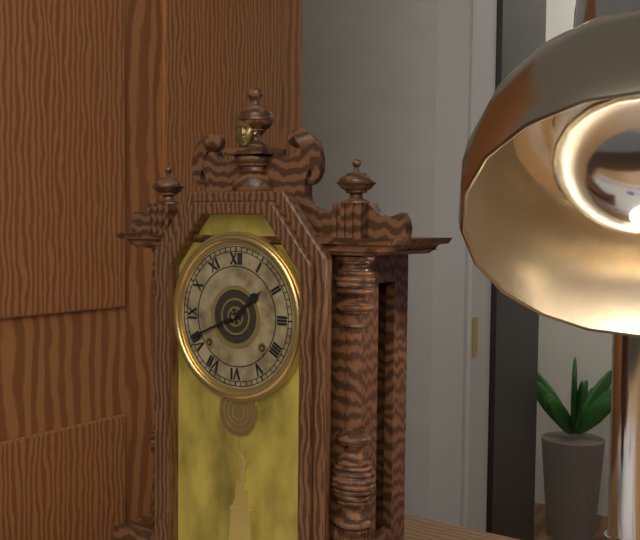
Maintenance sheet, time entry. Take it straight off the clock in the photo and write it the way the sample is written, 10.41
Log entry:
1.41
